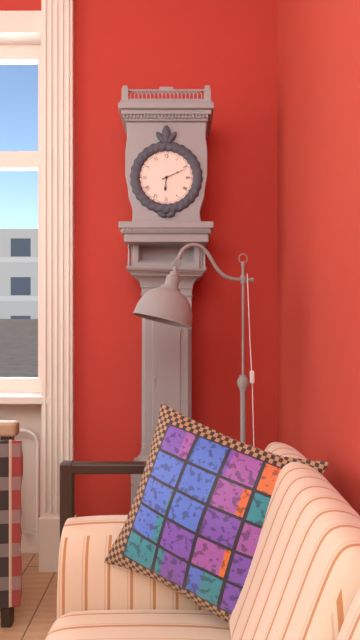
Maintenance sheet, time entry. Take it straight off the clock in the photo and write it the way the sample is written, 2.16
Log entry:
6.11
